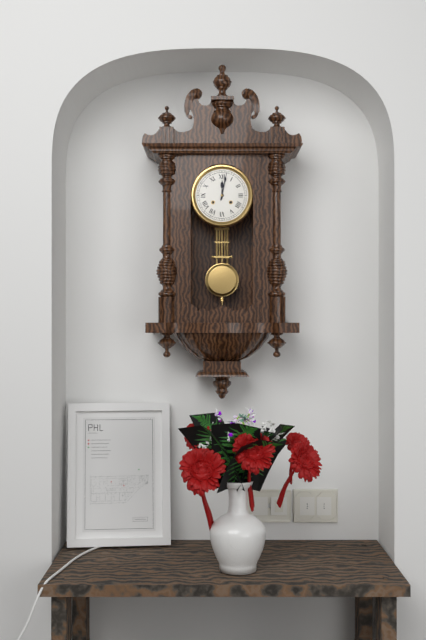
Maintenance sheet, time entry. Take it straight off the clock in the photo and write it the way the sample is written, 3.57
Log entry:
12.02
